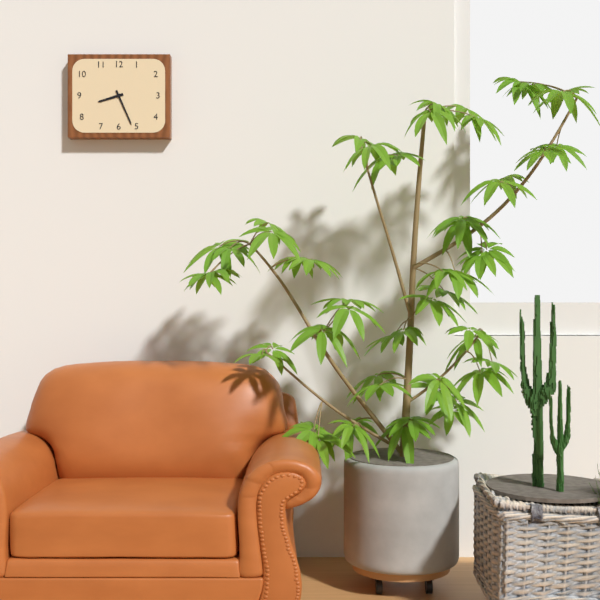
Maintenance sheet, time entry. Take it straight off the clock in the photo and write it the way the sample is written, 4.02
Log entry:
8.26
